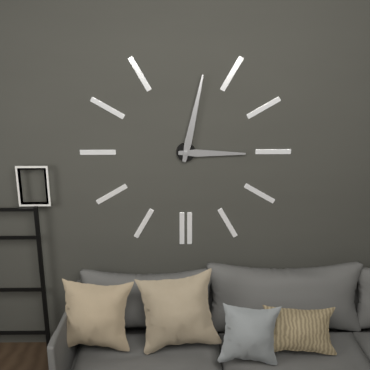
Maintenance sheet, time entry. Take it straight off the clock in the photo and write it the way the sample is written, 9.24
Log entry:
3.02
